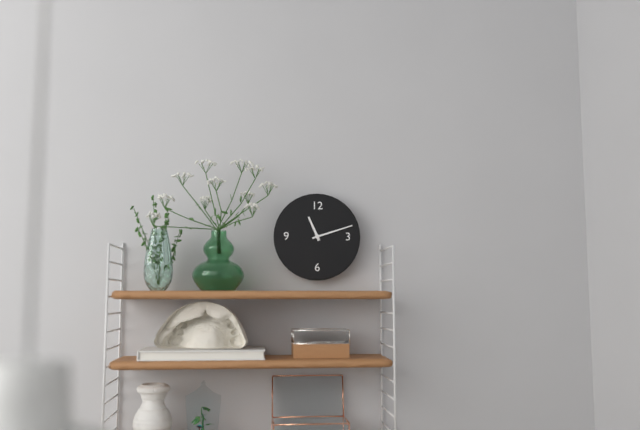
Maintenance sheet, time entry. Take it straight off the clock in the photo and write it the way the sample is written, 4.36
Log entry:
11.12
